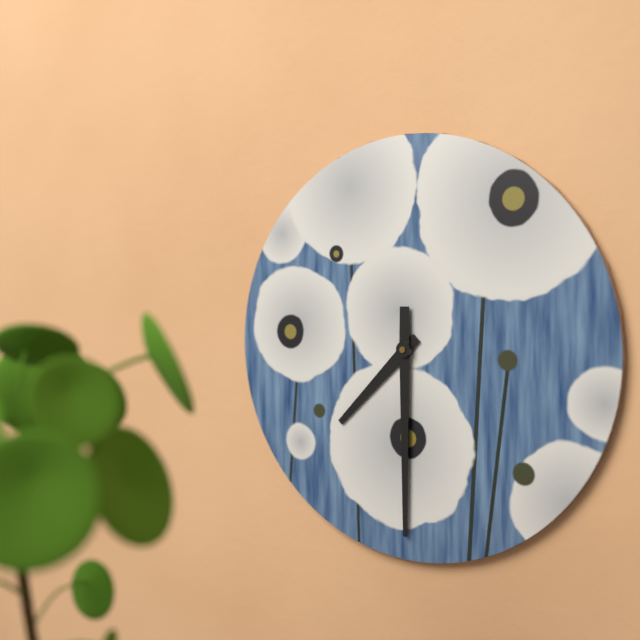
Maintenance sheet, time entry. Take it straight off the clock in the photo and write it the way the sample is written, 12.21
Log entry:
7.30
